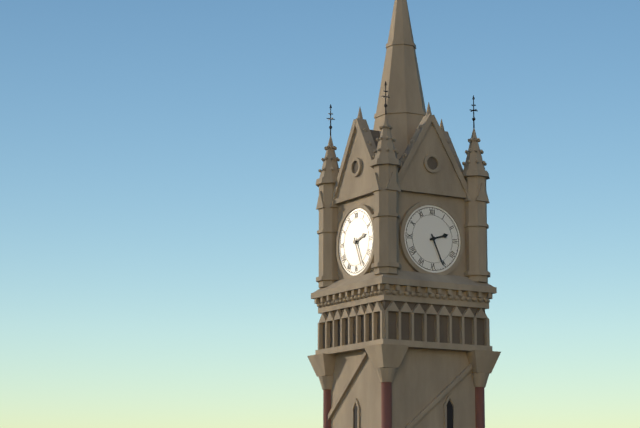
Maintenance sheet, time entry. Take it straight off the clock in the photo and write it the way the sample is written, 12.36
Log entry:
2.26
